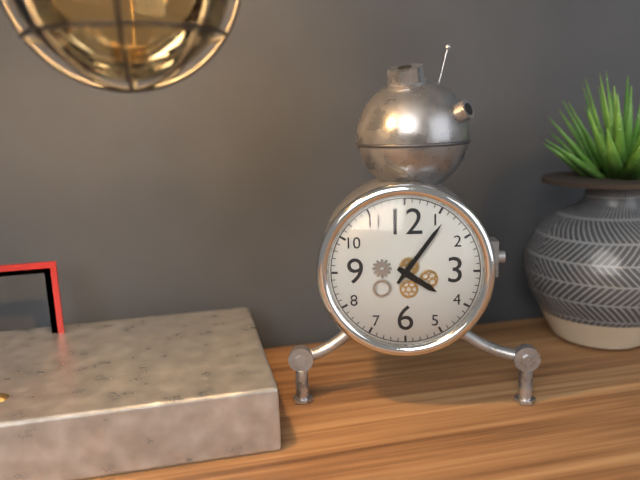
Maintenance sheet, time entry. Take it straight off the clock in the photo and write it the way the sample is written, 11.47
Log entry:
4.06
